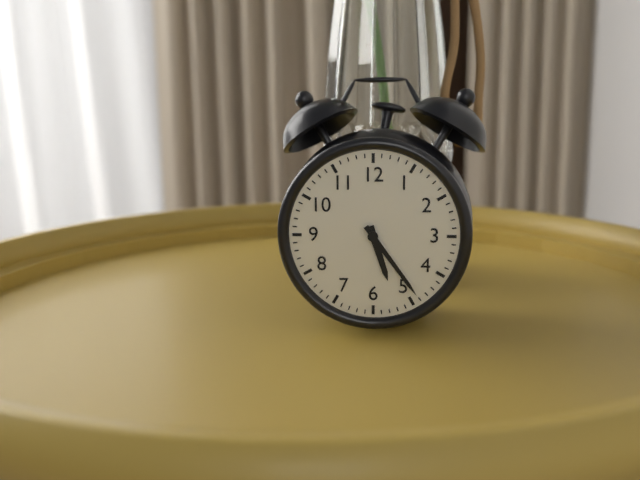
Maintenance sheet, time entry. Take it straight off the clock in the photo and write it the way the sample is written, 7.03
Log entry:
5.24
